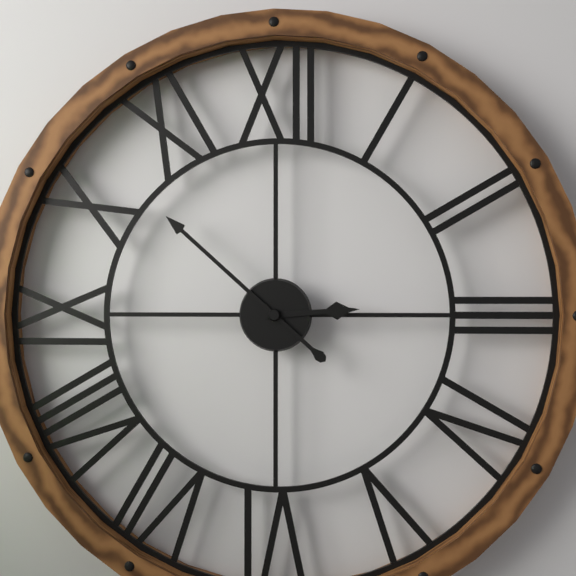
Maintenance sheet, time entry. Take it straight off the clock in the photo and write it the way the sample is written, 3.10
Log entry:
2.52
